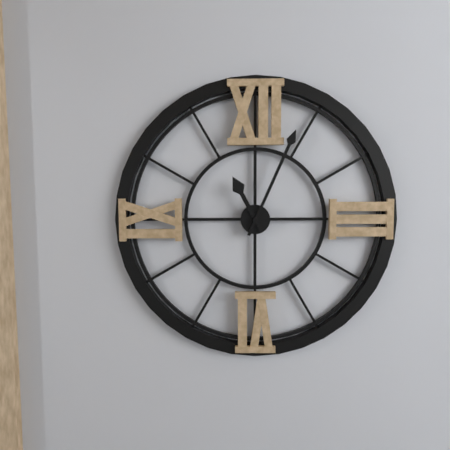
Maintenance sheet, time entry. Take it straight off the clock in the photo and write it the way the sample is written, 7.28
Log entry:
11.04
